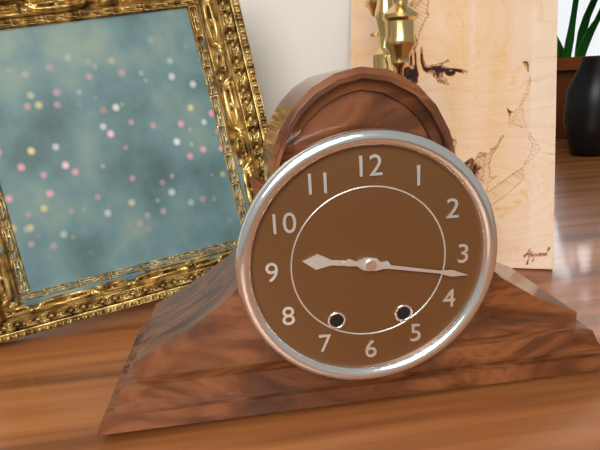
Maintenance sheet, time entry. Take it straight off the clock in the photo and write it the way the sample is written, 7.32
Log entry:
9.17
